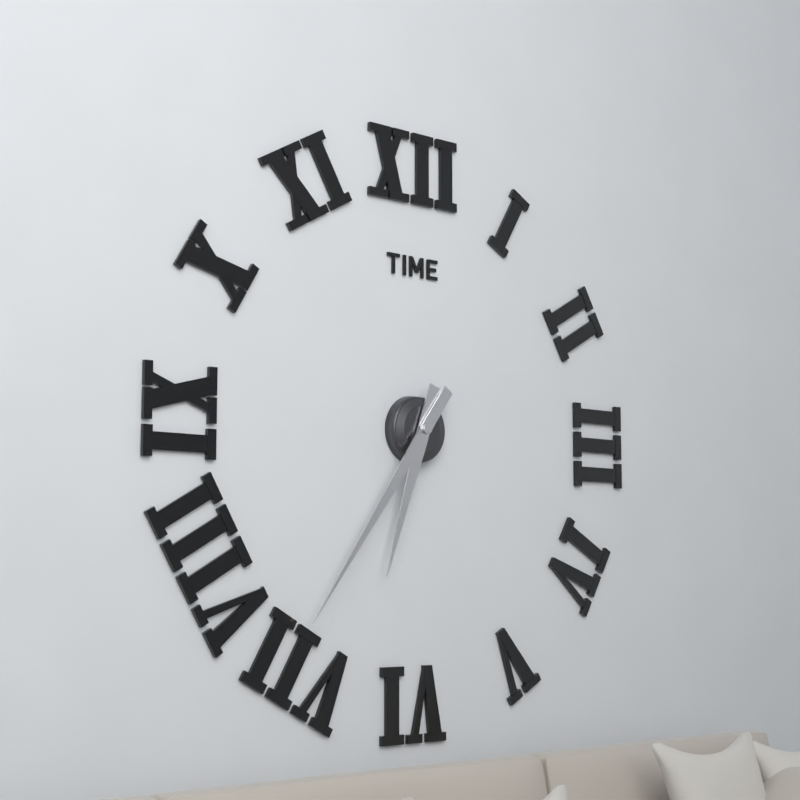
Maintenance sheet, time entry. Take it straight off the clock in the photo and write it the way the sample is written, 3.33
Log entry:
6.36
